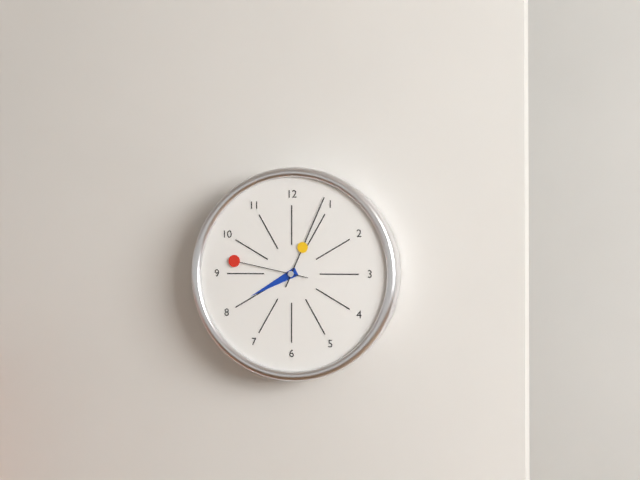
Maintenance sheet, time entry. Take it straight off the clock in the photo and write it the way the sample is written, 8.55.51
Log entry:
8.04.47
